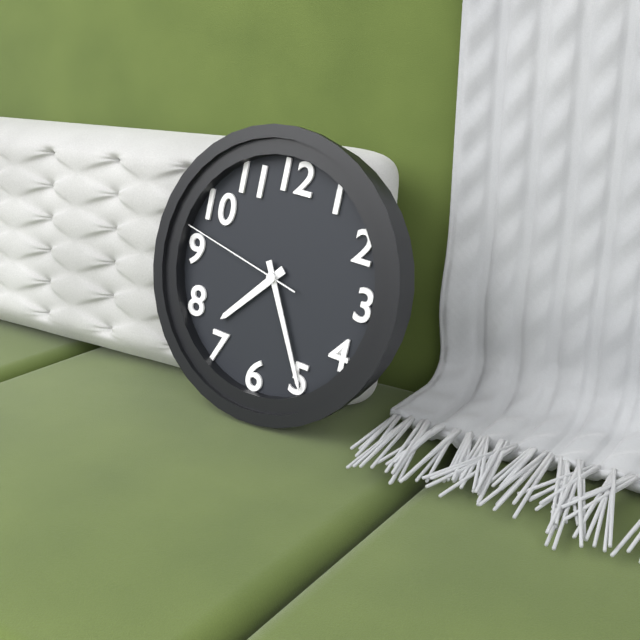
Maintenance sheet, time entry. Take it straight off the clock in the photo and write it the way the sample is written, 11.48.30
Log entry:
7.25.47
